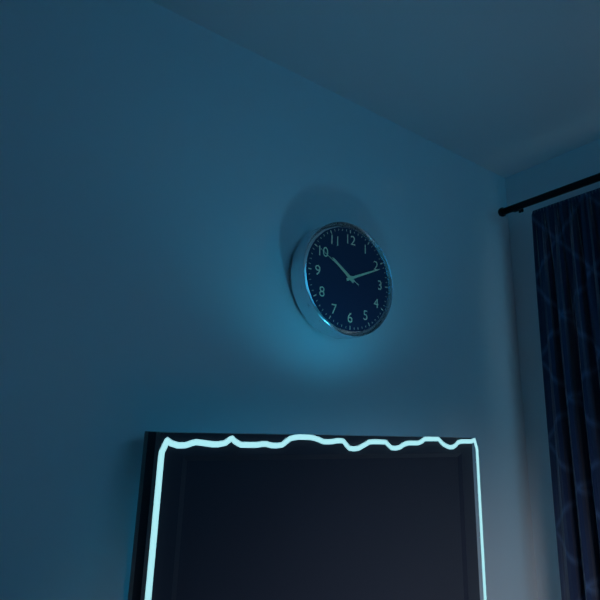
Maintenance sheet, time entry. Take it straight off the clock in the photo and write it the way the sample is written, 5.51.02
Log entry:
10.11.50
